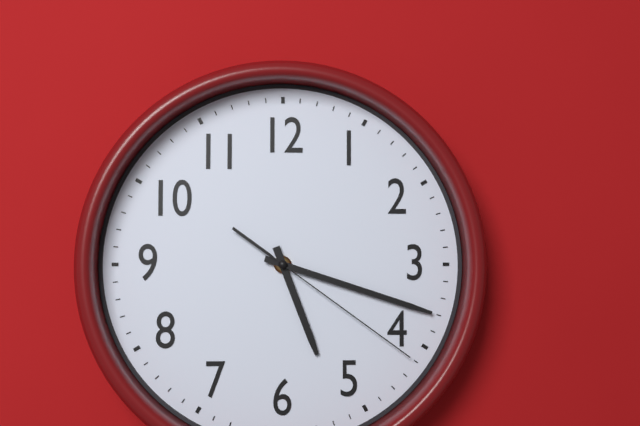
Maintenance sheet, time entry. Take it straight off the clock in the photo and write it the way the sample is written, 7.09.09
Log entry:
5.18.21
